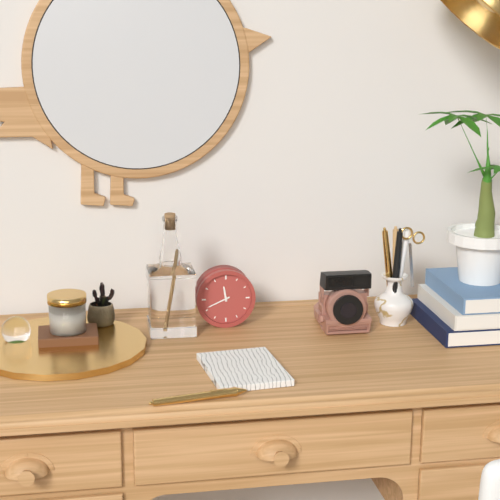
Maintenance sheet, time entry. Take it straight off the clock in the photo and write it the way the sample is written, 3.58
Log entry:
11.41
